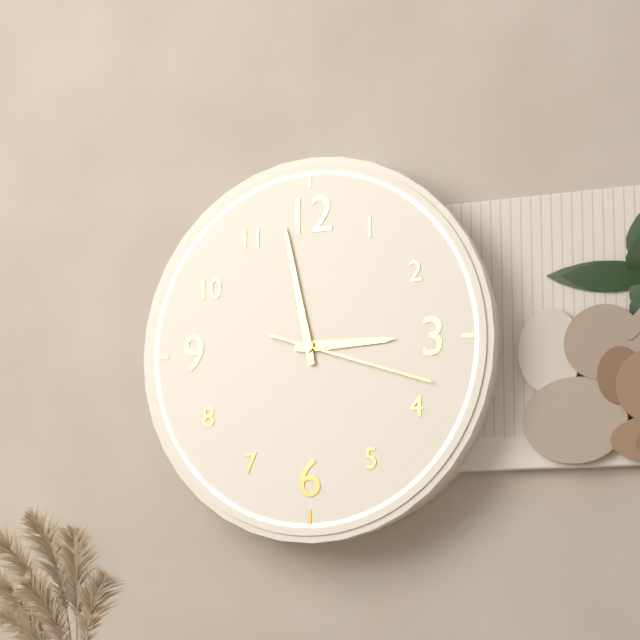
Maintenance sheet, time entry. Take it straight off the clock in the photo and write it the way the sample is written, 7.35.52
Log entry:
2.58.18
